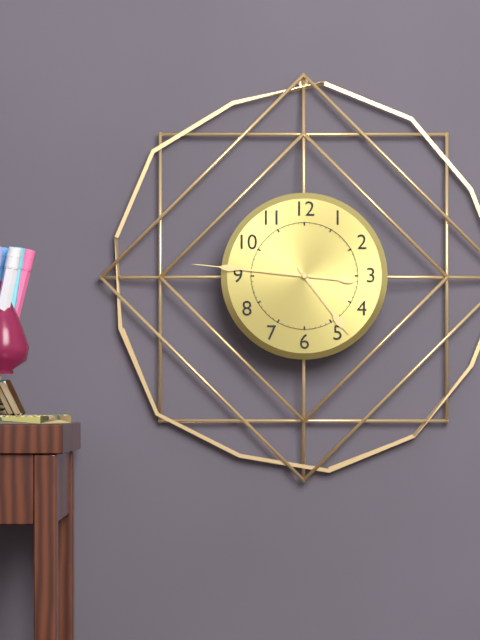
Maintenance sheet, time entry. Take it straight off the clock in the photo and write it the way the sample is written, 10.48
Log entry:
4.46
